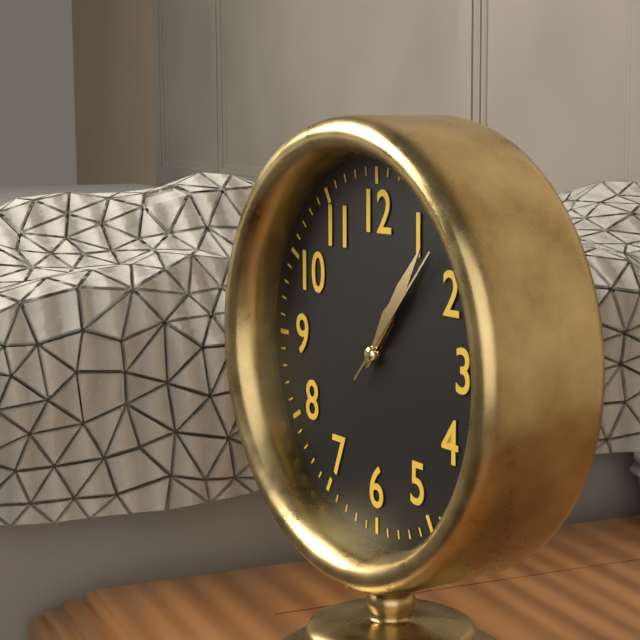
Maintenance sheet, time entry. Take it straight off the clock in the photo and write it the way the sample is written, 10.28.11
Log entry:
1.06.07
